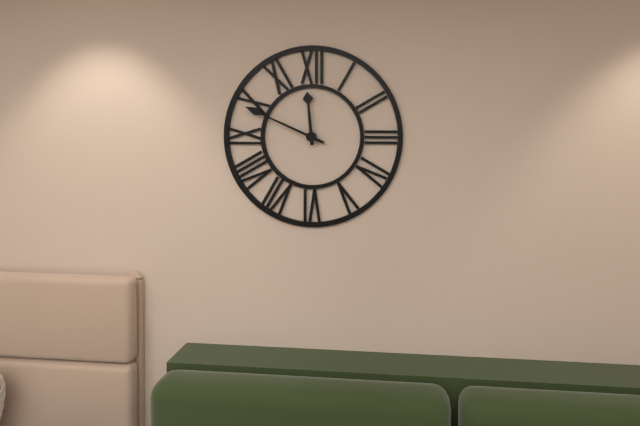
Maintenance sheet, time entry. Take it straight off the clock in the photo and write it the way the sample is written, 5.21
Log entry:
11.49
